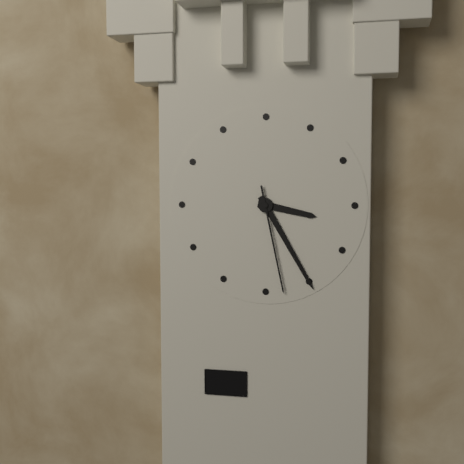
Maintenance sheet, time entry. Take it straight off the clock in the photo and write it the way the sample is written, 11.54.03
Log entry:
3.25.28
